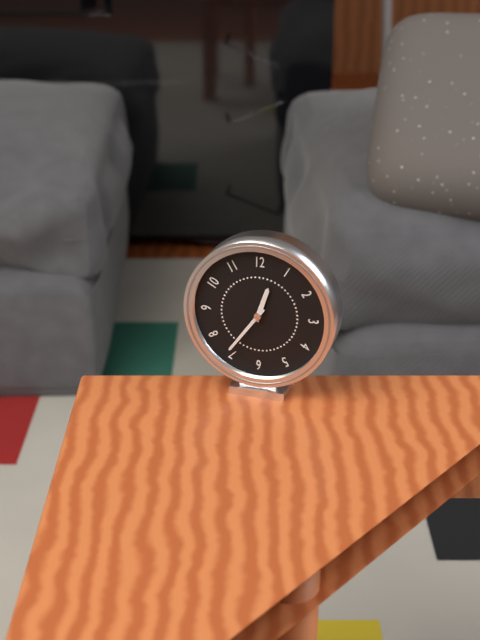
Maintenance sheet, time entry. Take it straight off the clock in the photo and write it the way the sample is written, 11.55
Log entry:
12.36
